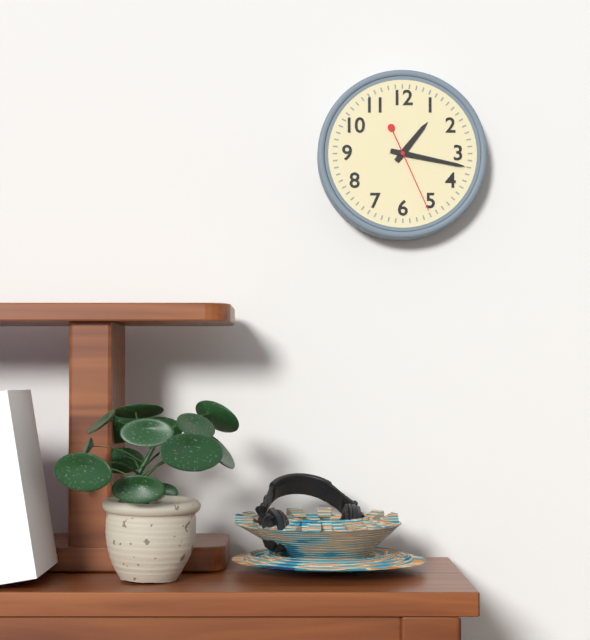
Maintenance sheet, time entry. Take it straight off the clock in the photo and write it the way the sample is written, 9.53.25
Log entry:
1.17.26
